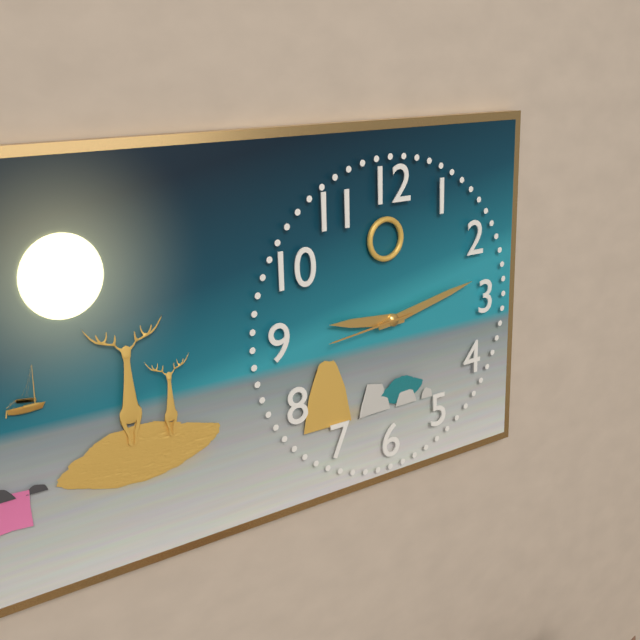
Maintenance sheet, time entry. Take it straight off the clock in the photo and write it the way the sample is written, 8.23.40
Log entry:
9.13.44
